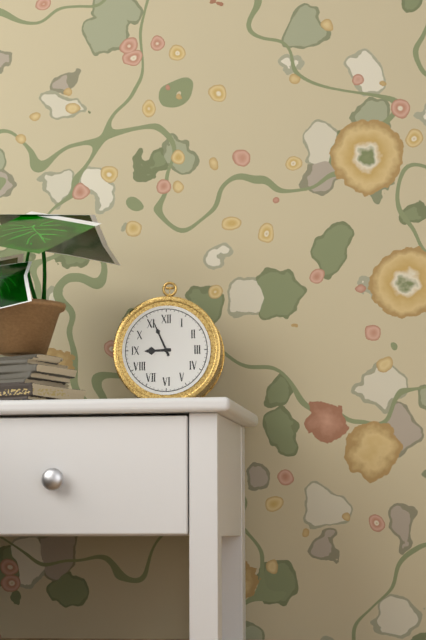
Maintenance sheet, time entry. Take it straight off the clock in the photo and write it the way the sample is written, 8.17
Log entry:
8.56
